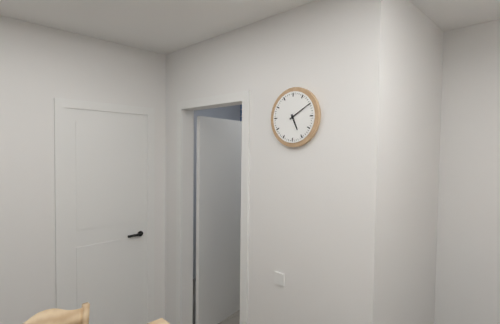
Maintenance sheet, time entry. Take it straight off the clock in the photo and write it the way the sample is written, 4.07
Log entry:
5.10
